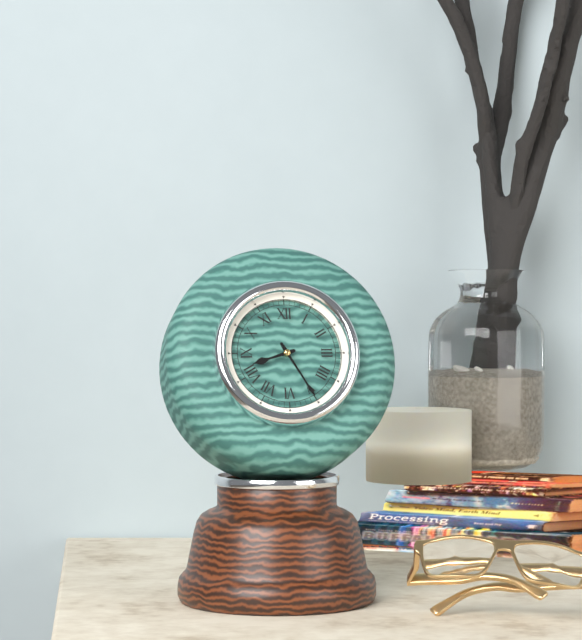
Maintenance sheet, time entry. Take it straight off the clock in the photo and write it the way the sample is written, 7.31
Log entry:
8.25
